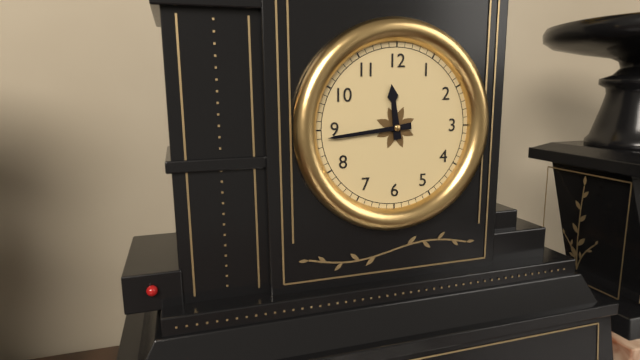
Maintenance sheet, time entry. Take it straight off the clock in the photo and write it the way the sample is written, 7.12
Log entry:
11.44
